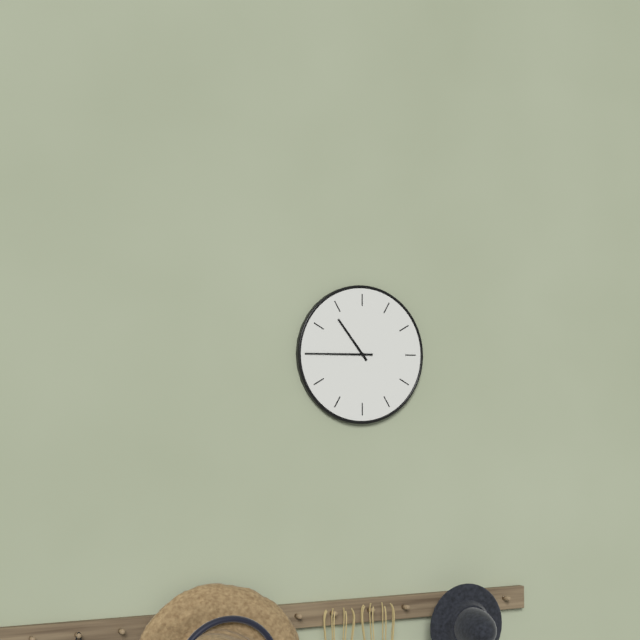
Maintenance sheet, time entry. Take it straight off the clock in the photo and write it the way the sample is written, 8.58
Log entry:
10.45
